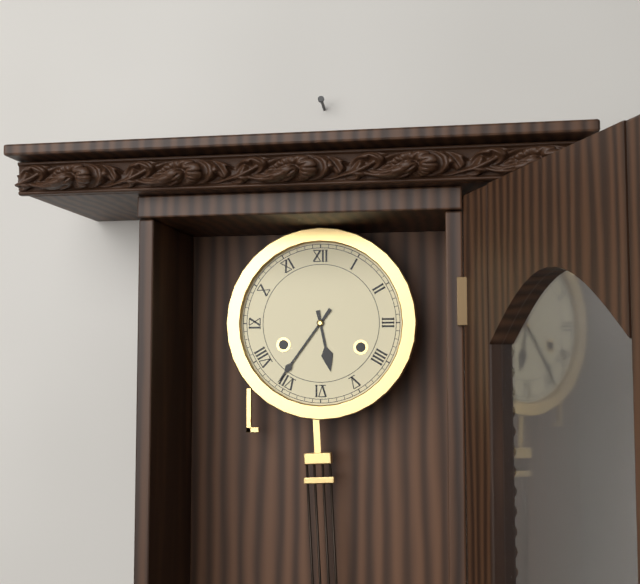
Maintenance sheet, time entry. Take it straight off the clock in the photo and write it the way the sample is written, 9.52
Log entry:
5.36
